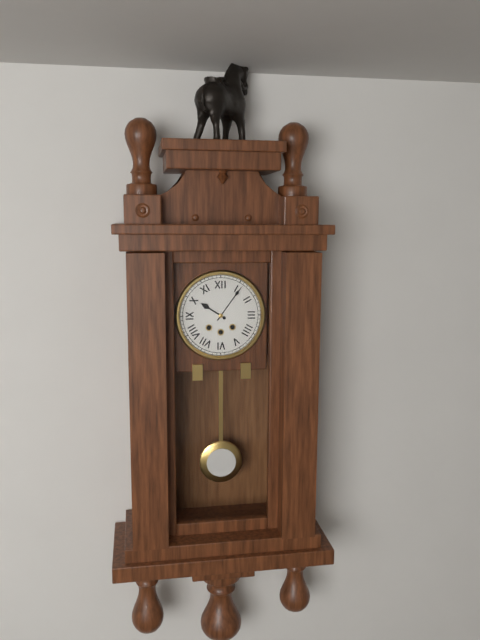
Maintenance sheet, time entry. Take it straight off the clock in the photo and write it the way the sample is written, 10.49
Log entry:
10.06
